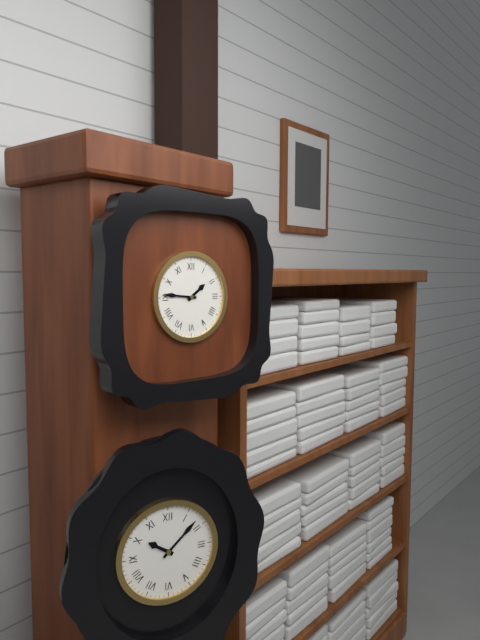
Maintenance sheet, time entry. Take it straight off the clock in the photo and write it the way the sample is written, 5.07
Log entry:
1.46
